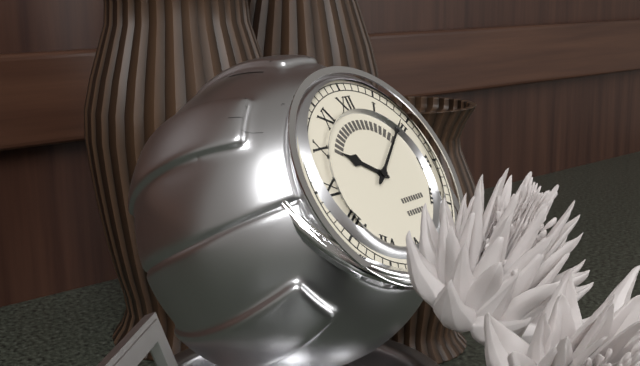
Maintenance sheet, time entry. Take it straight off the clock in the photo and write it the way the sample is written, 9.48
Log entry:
10.09
